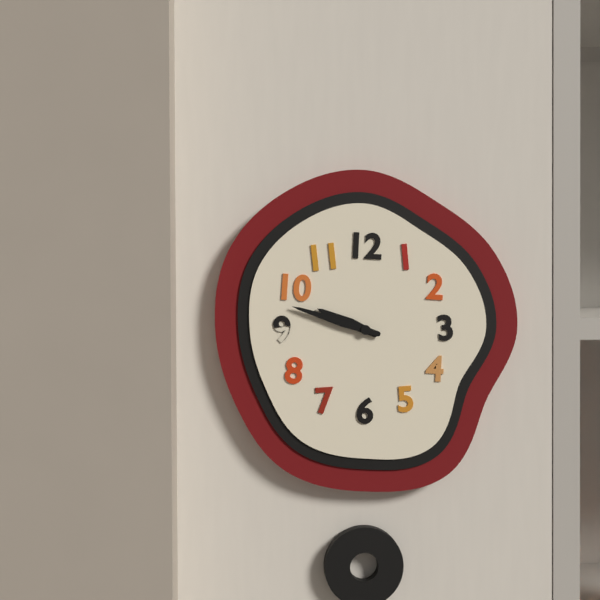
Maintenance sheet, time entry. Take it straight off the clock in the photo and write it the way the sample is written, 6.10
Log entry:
9.48
